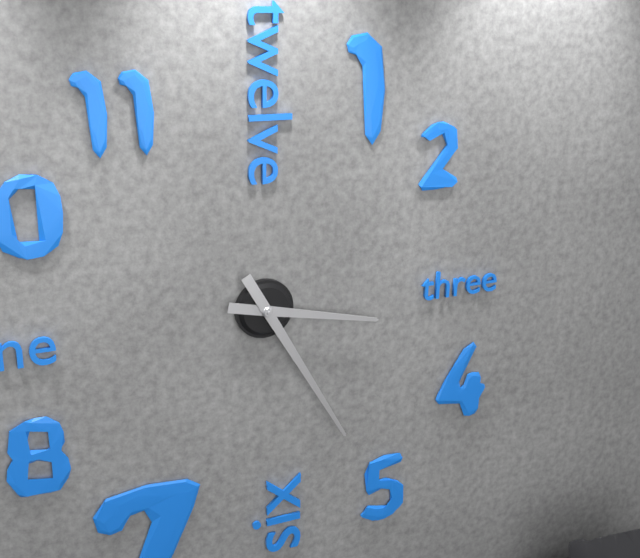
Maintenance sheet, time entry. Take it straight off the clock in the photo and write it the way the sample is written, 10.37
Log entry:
3.25
